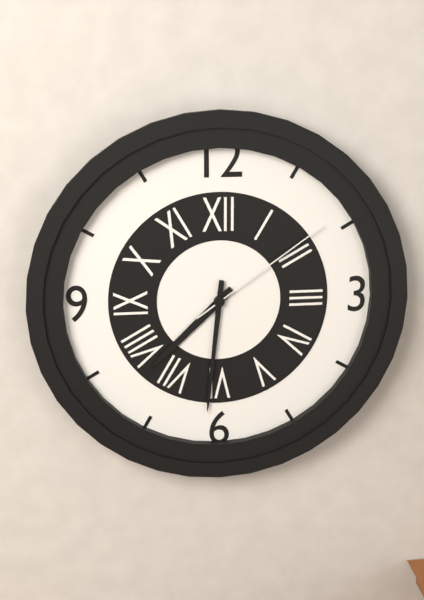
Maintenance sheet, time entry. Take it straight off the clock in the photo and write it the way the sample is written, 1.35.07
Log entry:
7.31.09
